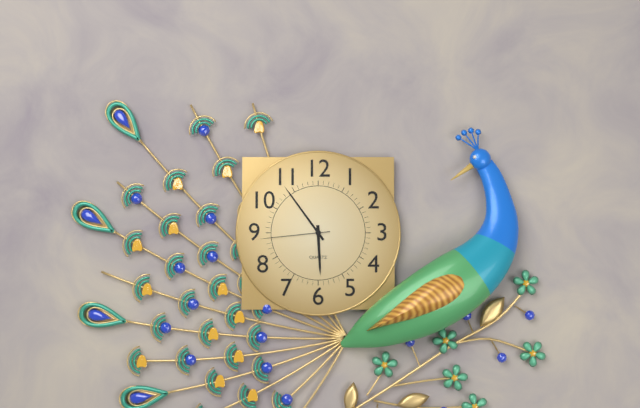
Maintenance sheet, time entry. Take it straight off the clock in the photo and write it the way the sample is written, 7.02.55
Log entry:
5.54.44
